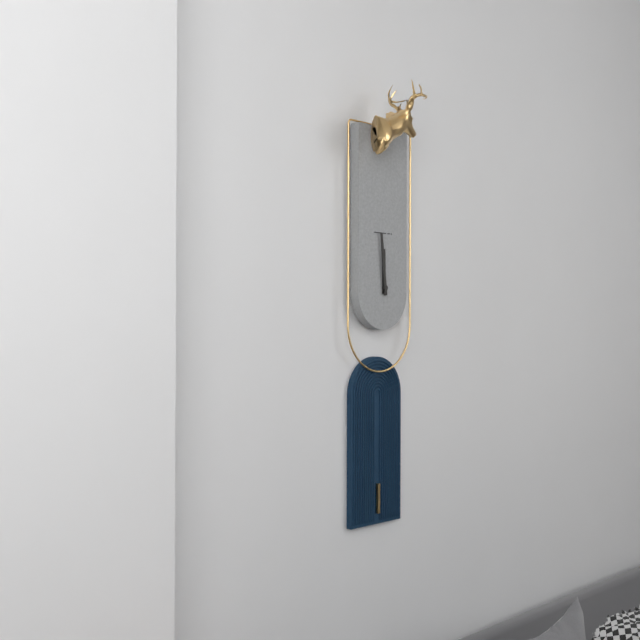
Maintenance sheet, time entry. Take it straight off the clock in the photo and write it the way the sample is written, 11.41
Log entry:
11.59
